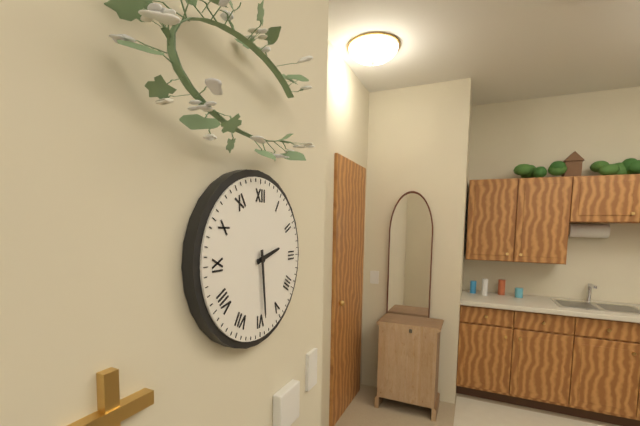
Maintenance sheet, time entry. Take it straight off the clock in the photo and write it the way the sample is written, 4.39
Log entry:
2.29
